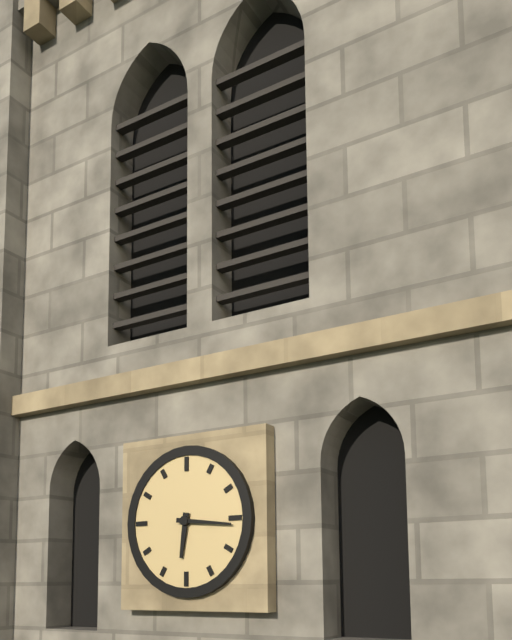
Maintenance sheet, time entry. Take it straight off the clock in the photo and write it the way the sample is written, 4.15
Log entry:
6.16
